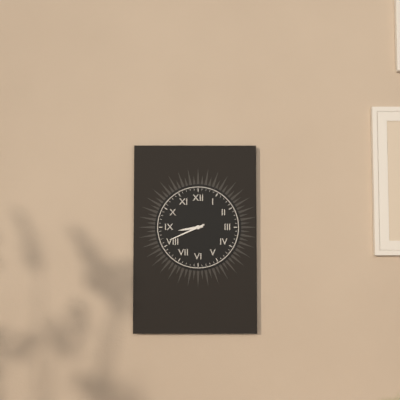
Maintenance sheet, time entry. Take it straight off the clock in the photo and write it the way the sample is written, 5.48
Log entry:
8.41
